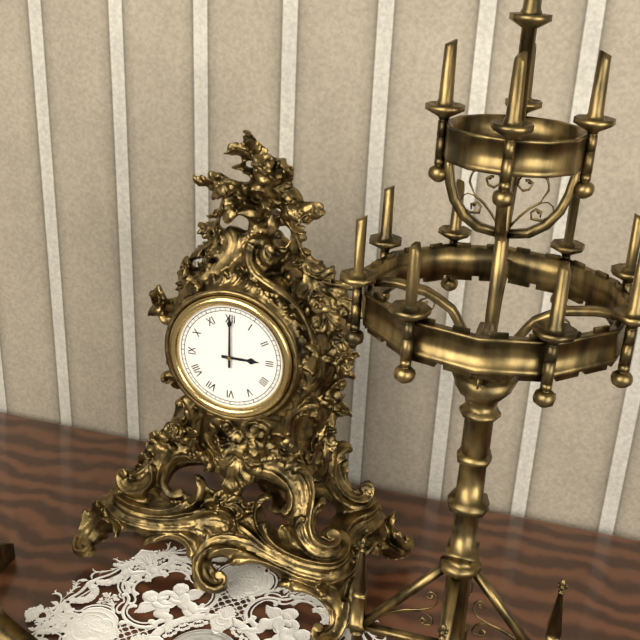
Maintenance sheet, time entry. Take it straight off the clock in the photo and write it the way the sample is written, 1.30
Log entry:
3.00
